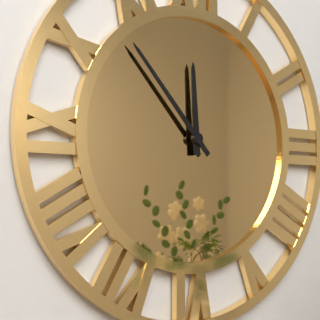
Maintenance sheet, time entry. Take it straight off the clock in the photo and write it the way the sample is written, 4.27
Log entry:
11.53
